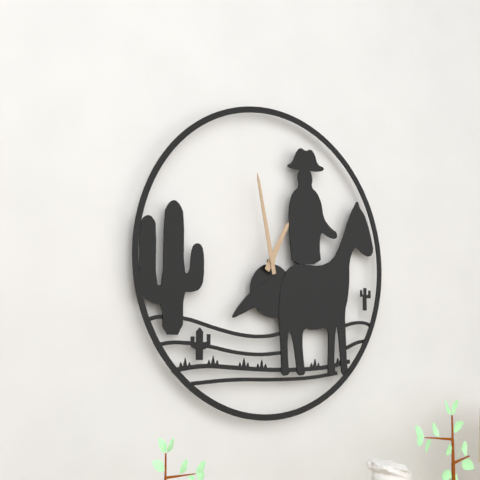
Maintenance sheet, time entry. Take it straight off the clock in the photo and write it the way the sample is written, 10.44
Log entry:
12.58
